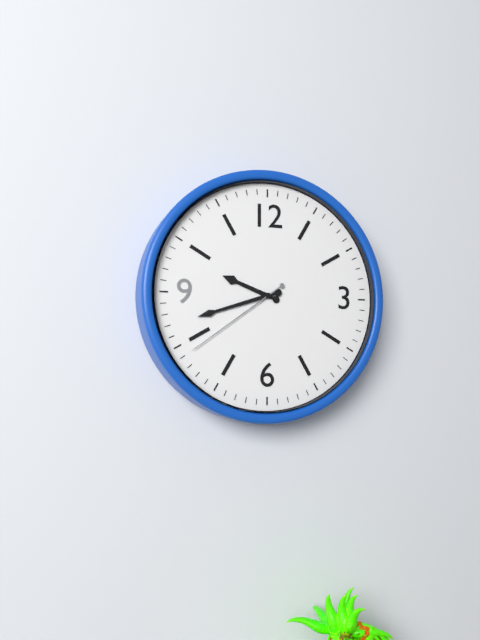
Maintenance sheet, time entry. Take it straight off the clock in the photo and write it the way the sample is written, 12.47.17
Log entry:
9.42.39
